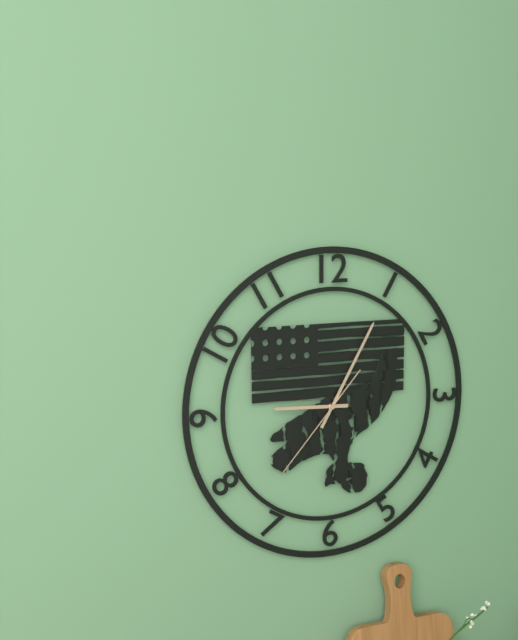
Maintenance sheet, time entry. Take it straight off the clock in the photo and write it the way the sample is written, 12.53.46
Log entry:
9.05.37
